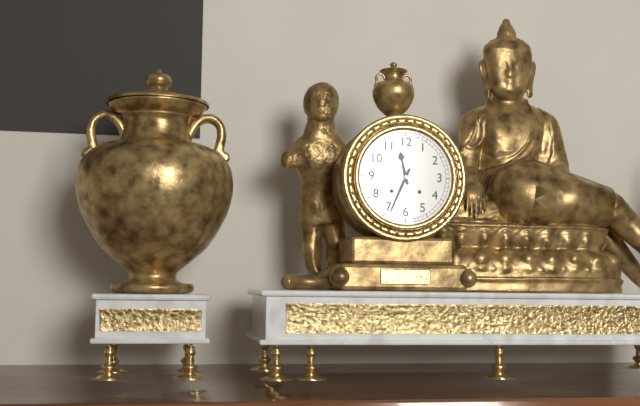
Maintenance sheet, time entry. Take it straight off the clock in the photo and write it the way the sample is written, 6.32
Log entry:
11.34
